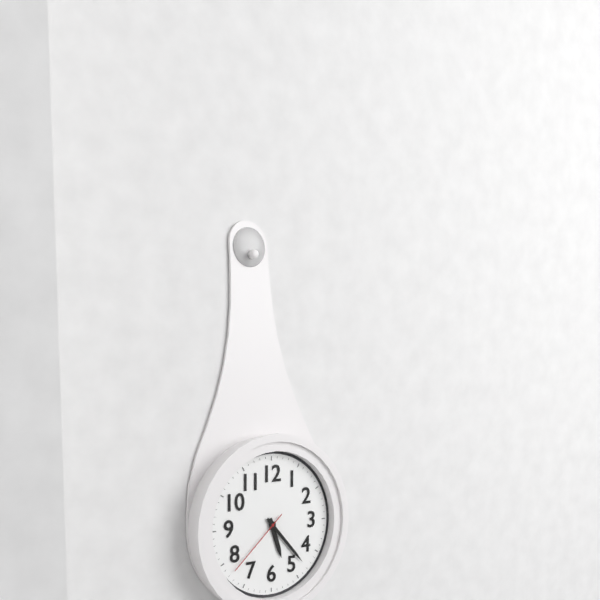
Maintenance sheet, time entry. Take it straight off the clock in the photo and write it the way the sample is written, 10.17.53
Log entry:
5.23.38
